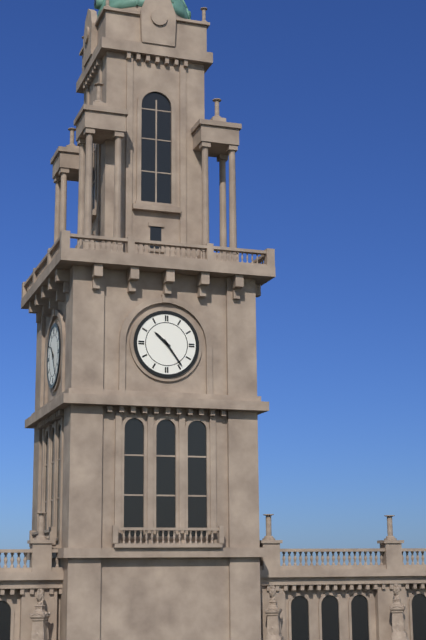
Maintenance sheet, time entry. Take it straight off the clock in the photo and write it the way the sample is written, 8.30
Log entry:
10.24
